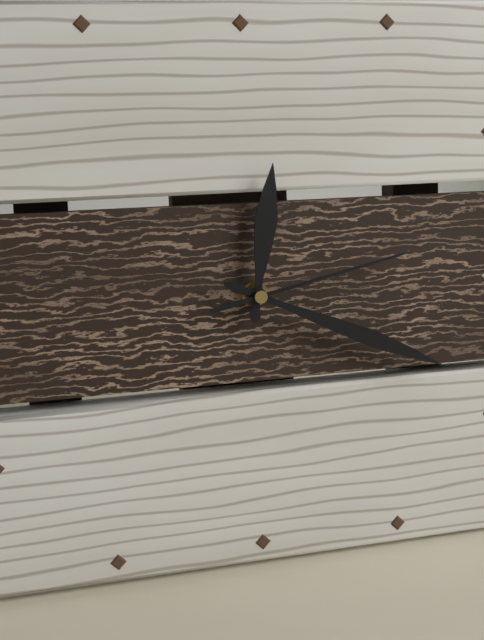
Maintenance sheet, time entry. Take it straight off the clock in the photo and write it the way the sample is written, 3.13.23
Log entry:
12.19.13
